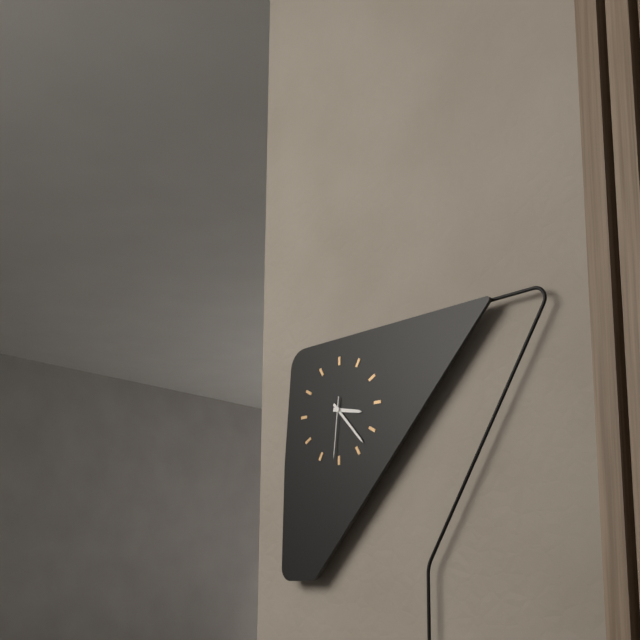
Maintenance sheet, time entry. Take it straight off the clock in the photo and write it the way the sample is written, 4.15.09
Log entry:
3.23.31
